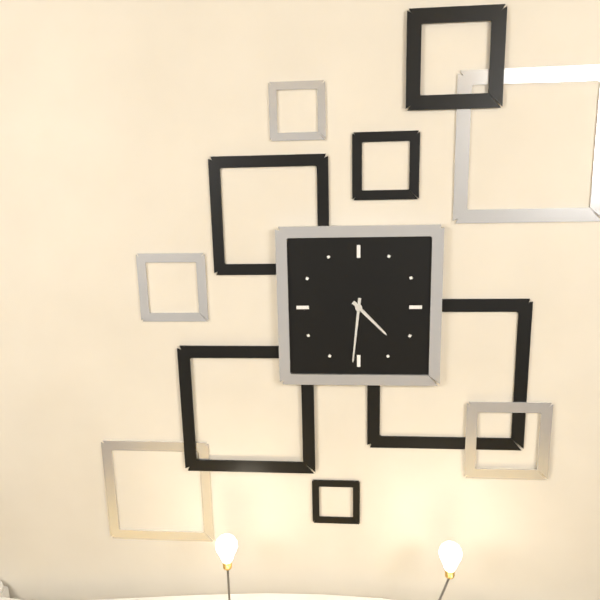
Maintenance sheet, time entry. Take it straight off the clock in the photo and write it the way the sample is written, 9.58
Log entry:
4.31
